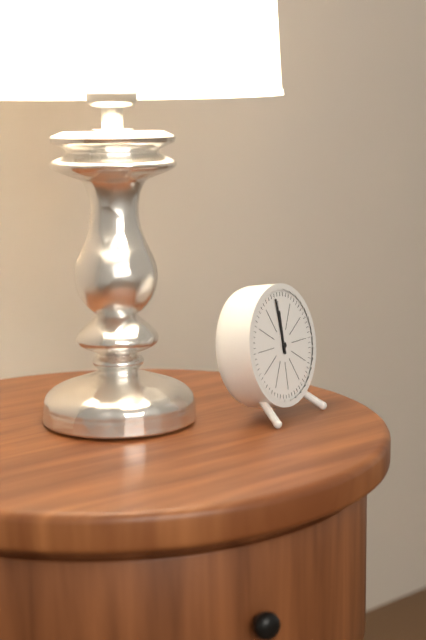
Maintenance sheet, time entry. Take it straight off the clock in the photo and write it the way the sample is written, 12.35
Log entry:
11.59
